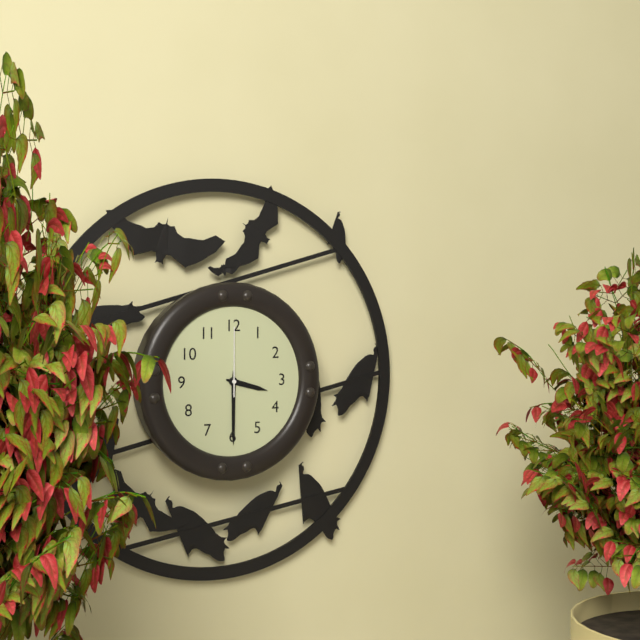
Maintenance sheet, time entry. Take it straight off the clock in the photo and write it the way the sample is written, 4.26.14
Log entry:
3.30.00
